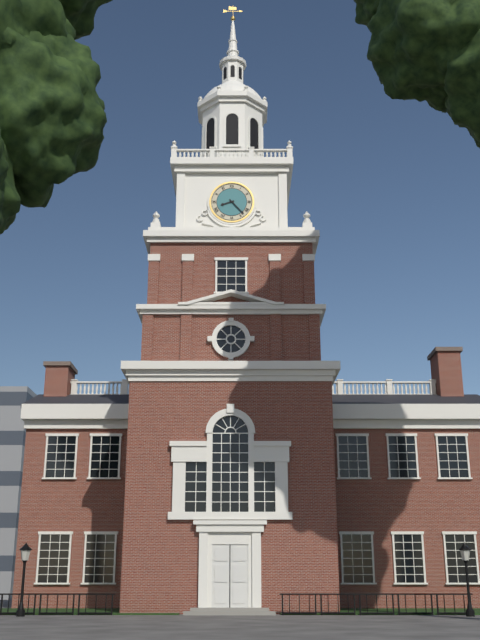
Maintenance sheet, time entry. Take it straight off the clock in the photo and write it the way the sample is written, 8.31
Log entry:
8.23
